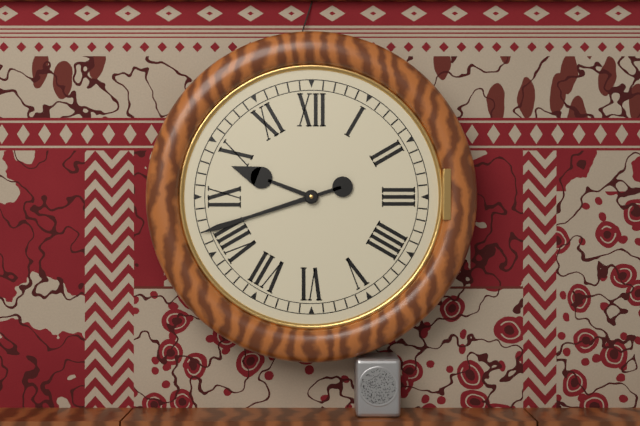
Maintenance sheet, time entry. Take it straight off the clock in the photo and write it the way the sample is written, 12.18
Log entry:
9.42
